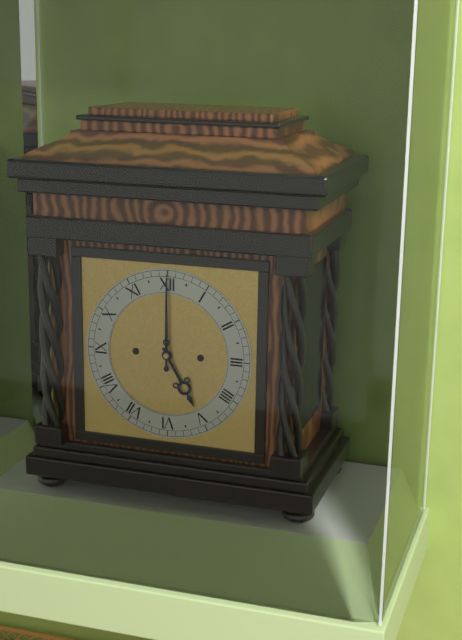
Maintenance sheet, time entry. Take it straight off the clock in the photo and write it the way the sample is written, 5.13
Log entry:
5.00
